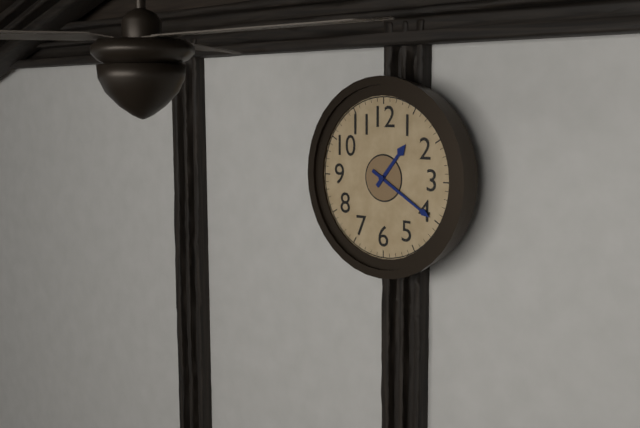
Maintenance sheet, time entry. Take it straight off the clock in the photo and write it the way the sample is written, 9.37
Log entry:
1.20
